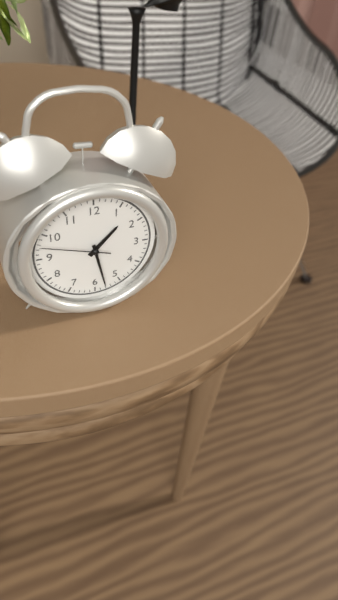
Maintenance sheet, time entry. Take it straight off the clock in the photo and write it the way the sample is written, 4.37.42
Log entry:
1.28.48
